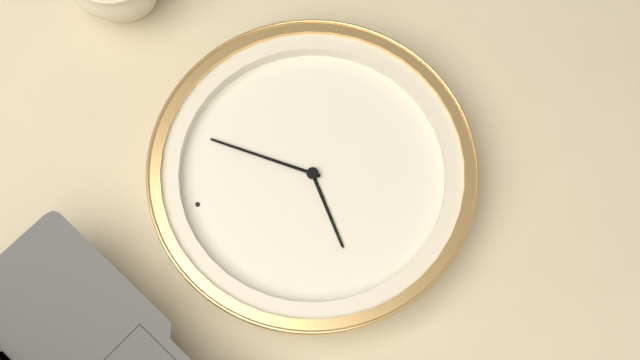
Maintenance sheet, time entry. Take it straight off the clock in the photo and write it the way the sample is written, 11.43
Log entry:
8.02
